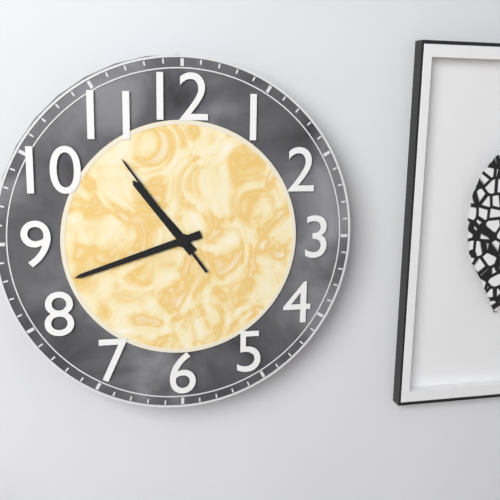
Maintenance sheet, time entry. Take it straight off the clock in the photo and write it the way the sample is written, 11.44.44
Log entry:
10.42.54
